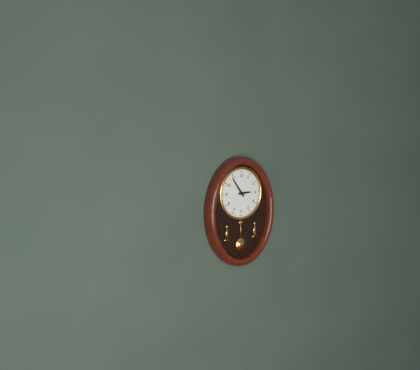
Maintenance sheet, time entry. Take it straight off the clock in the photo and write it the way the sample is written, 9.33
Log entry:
2.54
